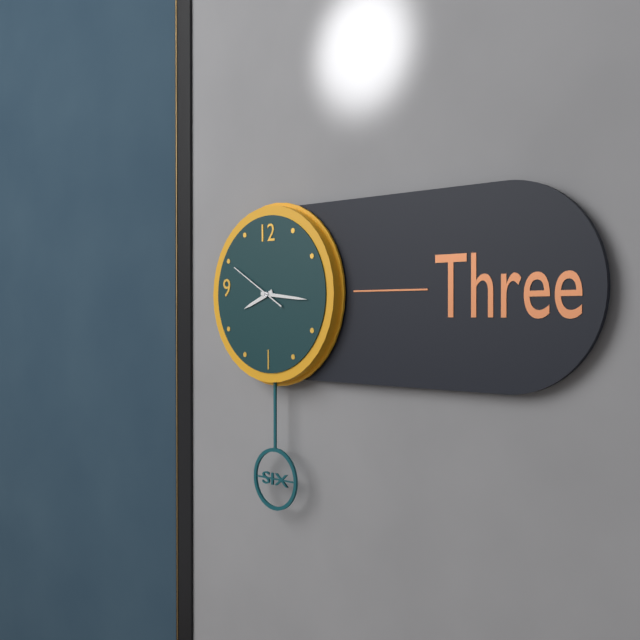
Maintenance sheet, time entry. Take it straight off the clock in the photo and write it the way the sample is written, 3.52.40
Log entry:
8.16.50
